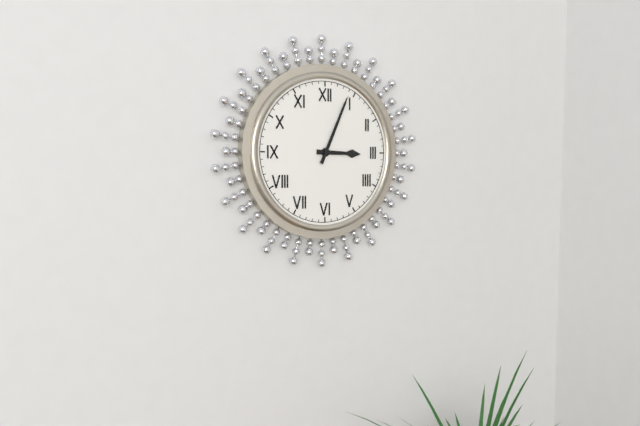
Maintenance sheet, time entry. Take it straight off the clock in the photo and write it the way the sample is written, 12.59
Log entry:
3.04
